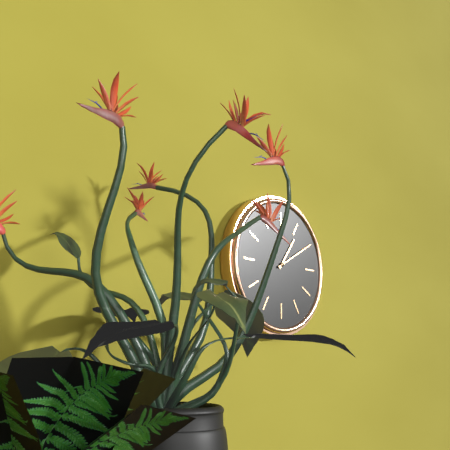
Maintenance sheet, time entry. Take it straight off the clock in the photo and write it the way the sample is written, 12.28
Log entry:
1.10
